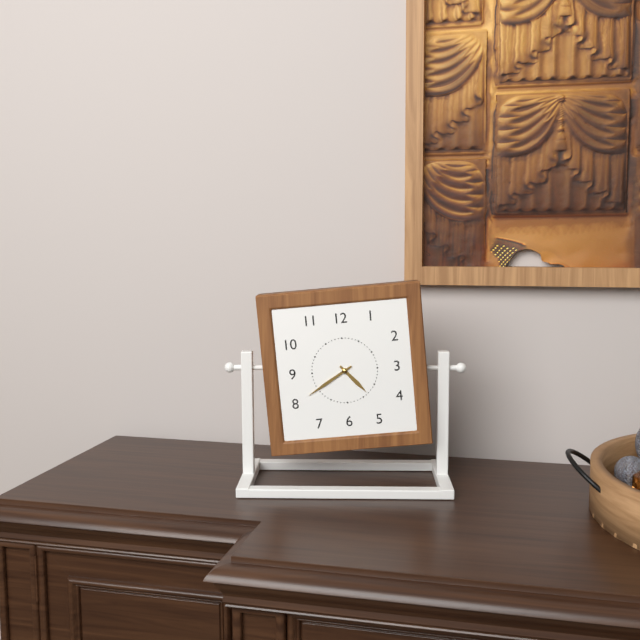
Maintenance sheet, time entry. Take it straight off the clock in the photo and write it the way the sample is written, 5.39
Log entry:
4.40
